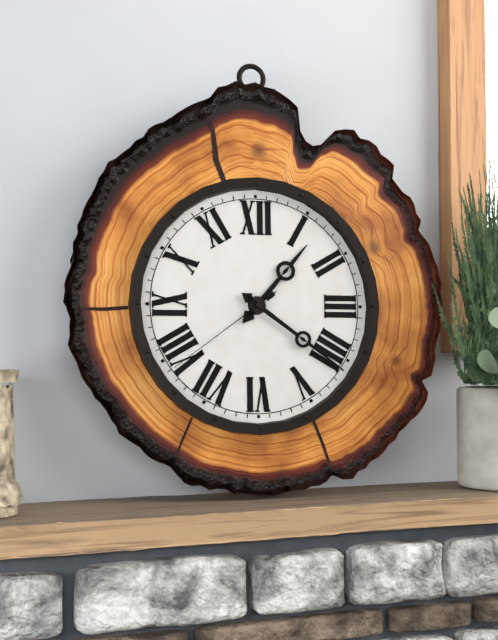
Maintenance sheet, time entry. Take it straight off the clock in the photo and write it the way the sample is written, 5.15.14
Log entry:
1.21.39
